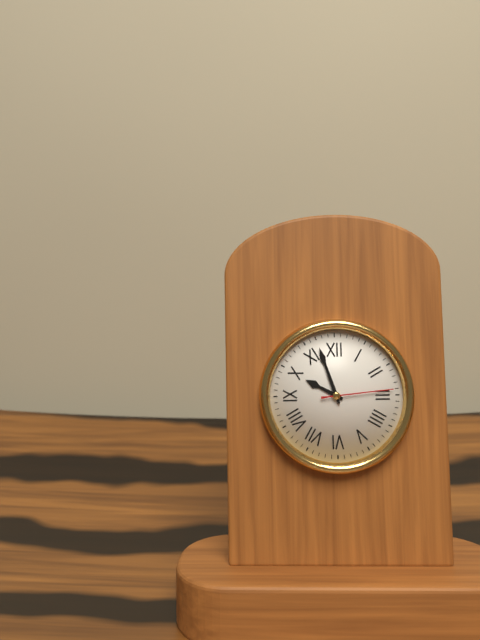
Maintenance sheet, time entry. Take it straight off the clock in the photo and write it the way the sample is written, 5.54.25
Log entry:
9.57.14
